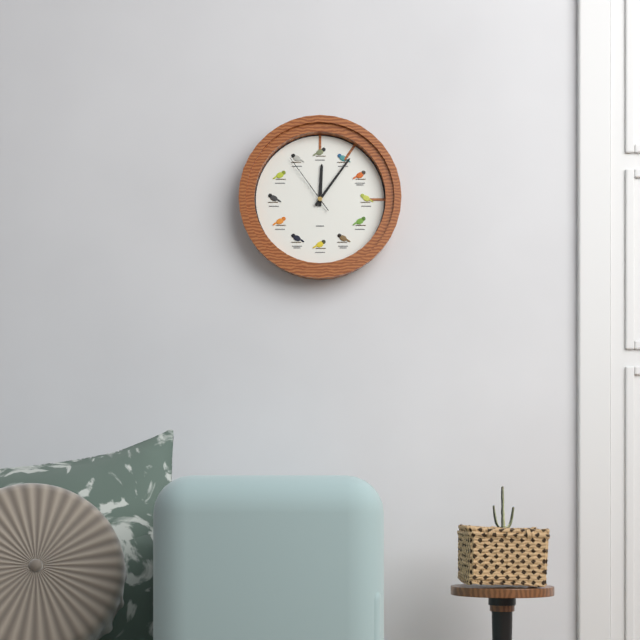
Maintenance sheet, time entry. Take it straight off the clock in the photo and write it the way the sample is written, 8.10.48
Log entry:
12.06.54
